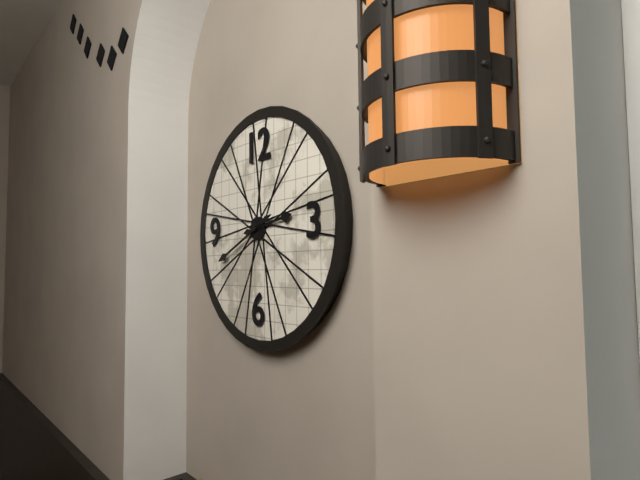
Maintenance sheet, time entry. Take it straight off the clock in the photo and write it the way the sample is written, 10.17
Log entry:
2.41
